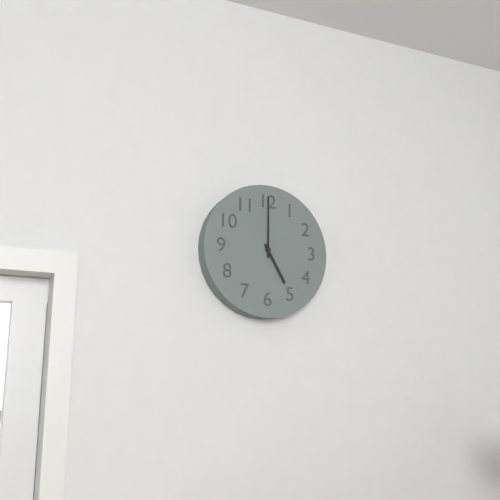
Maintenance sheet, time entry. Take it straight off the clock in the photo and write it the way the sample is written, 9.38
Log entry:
5.00
